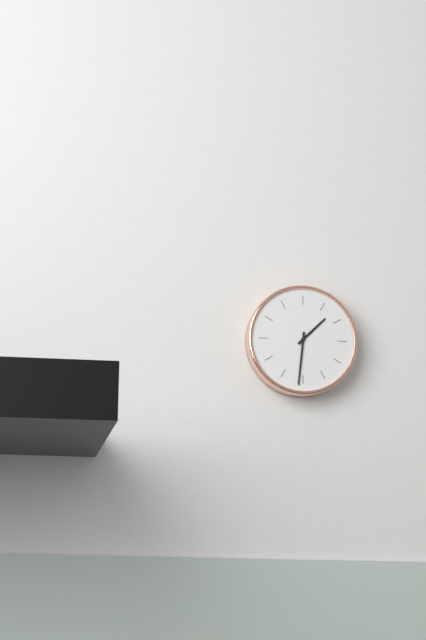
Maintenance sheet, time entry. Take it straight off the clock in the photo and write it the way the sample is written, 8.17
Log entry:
1.31
